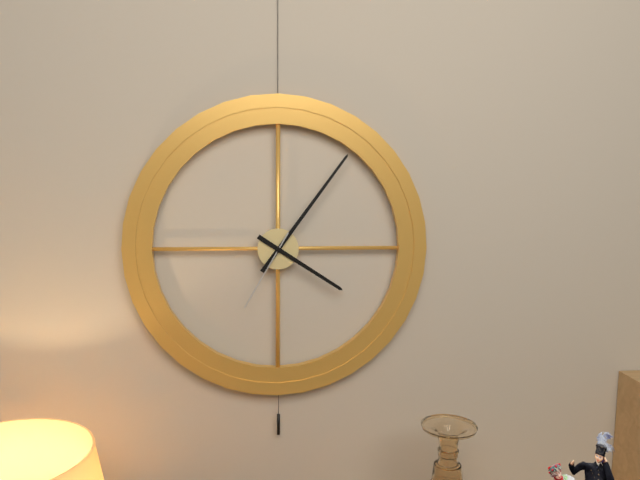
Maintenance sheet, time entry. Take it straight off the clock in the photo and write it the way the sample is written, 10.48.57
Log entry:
4.06.35
